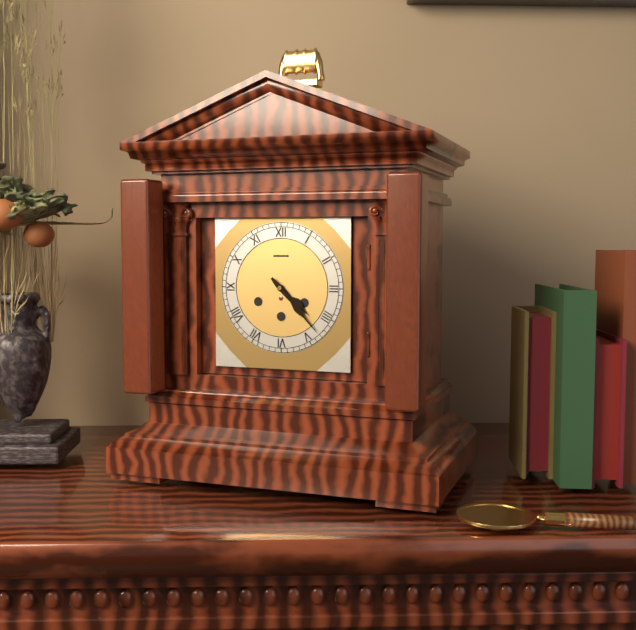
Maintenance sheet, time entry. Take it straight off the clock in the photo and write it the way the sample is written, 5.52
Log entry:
4.23
